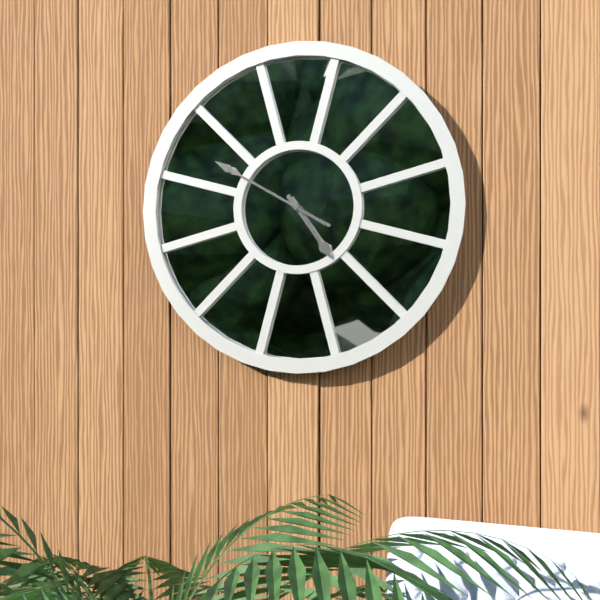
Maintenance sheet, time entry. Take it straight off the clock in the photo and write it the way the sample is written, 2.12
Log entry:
4.50
